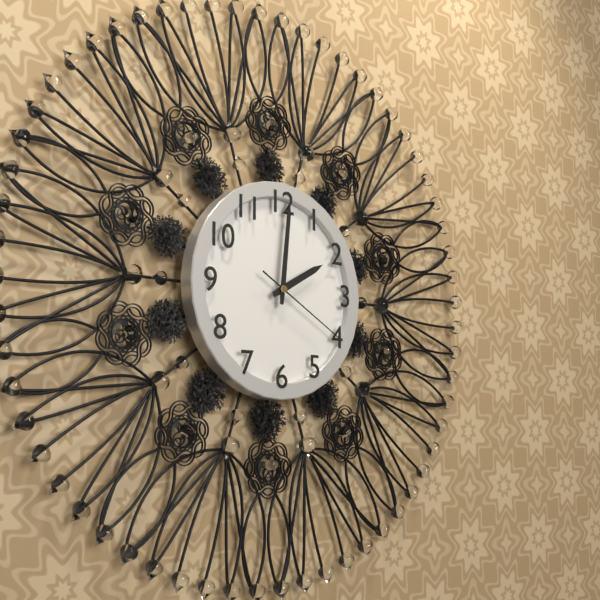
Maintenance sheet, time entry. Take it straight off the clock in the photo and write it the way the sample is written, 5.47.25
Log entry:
2.01.20
